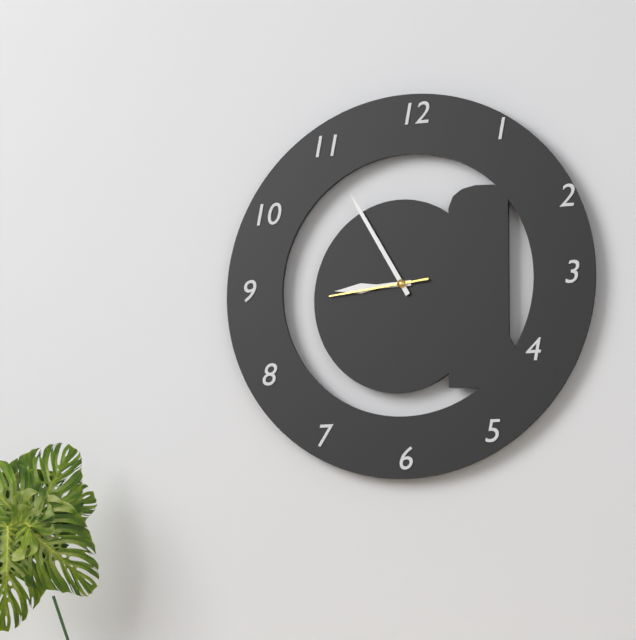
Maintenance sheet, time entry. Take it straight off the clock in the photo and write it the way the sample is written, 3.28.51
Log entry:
8.55.44
